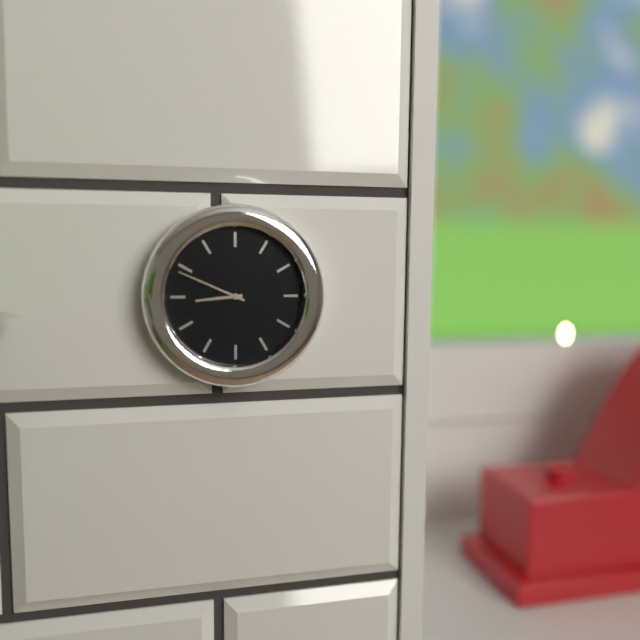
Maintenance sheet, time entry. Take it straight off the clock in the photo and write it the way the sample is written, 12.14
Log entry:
8.49
